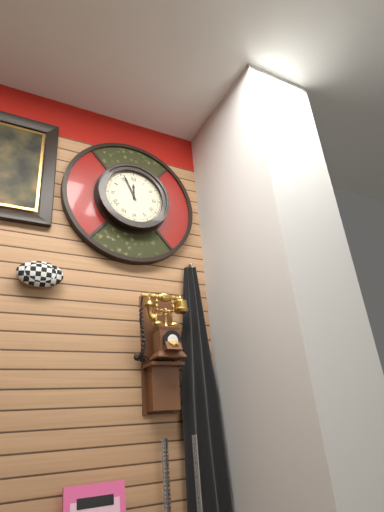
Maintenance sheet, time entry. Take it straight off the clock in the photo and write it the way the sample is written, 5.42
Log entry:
11.56
